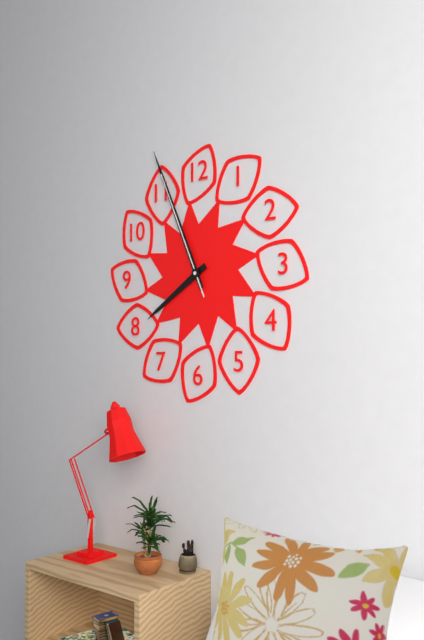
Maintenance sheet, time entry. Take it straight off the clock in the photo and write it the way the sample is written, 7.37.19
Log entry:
7.56.56
